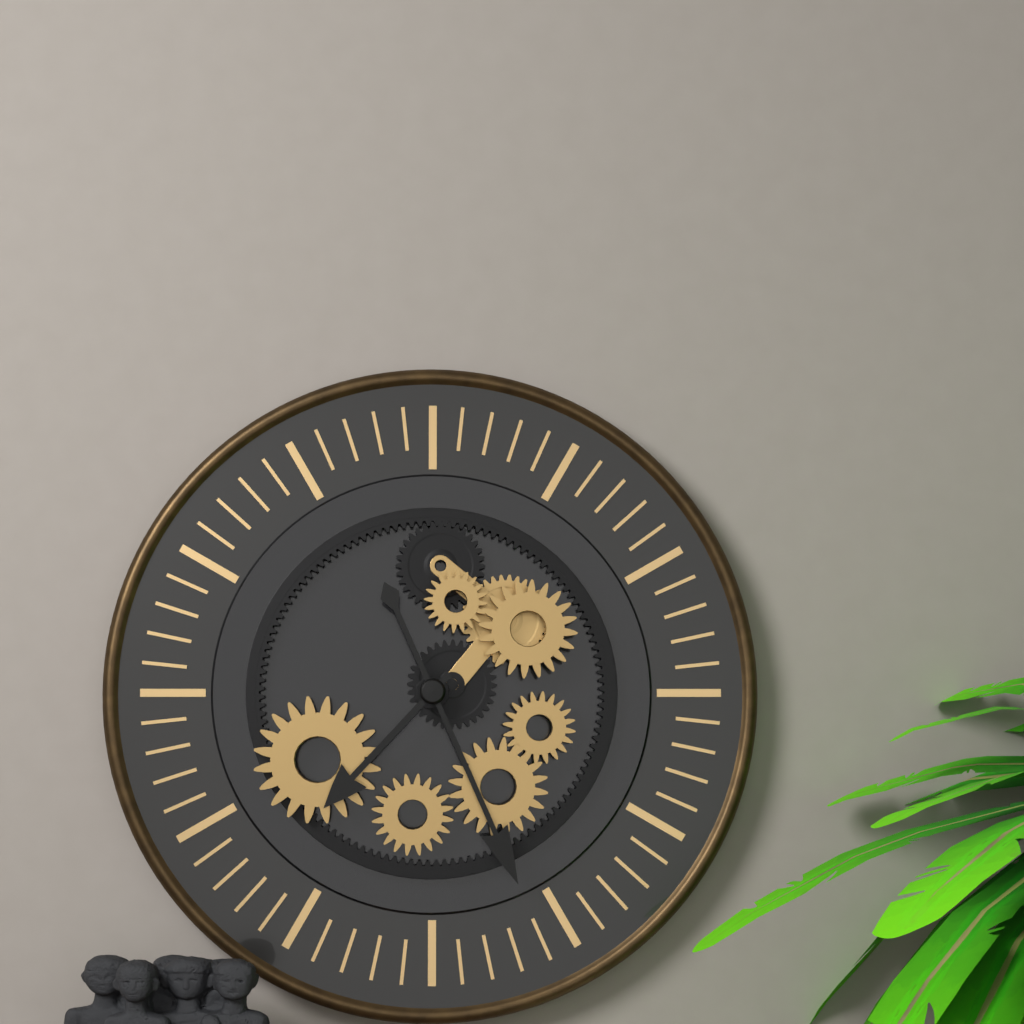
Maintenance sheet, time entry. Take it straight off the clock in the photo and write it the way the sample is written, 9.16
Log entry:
7.26
